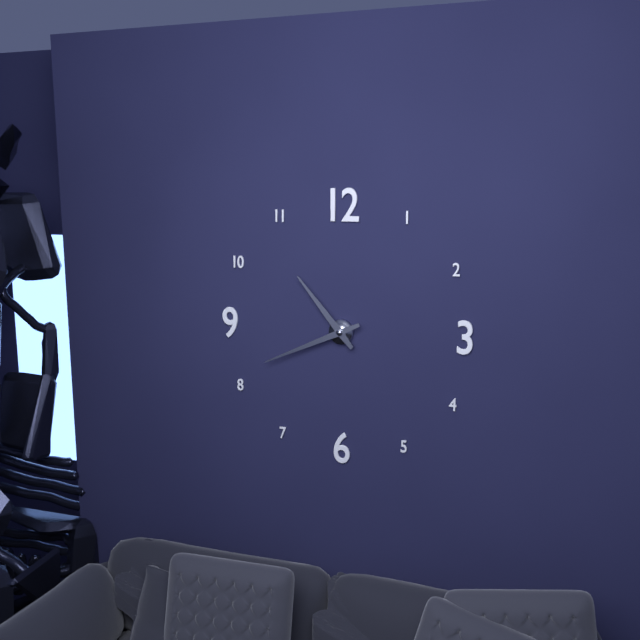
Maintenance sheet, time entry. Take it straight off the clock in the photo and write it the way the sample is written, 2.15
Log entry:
10.41
